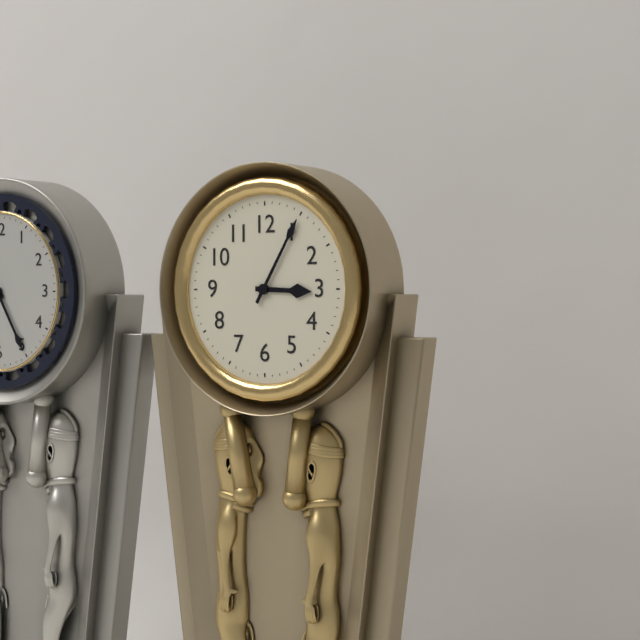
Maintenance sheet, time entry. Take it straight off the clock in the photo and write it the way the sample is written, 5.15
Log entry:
3.05
